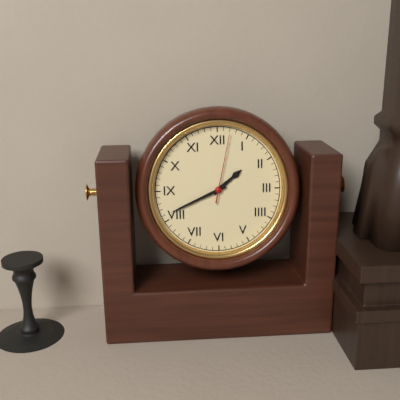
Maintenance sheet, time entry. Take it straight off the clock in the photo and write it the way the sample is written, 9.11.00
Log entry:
1.41.02
